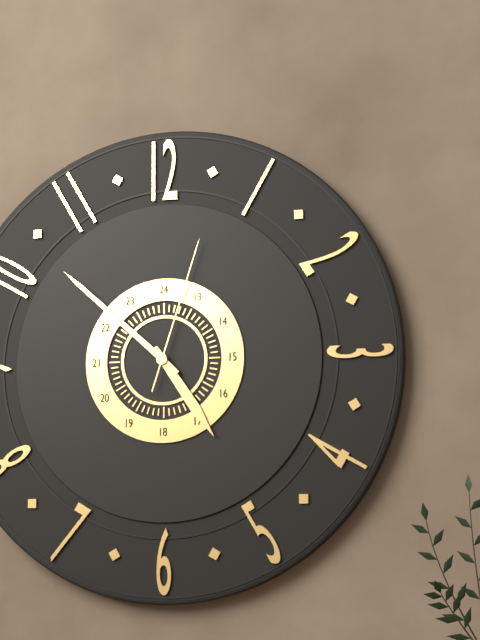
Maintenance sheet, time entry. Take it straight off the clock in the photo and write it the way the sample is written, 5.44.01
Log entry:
4.52.03
